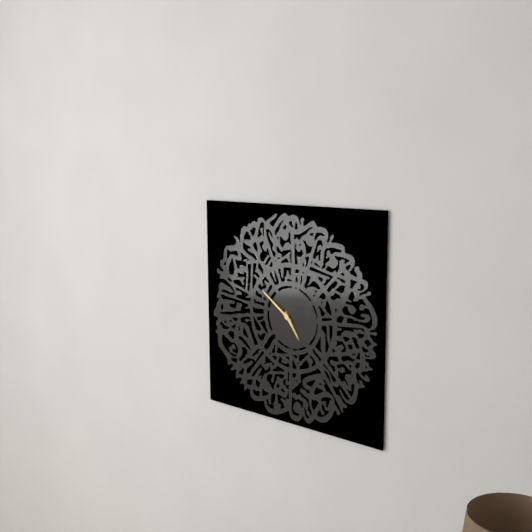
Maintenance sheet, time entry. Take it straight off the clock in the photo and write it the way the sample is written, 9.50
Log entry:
4.51
